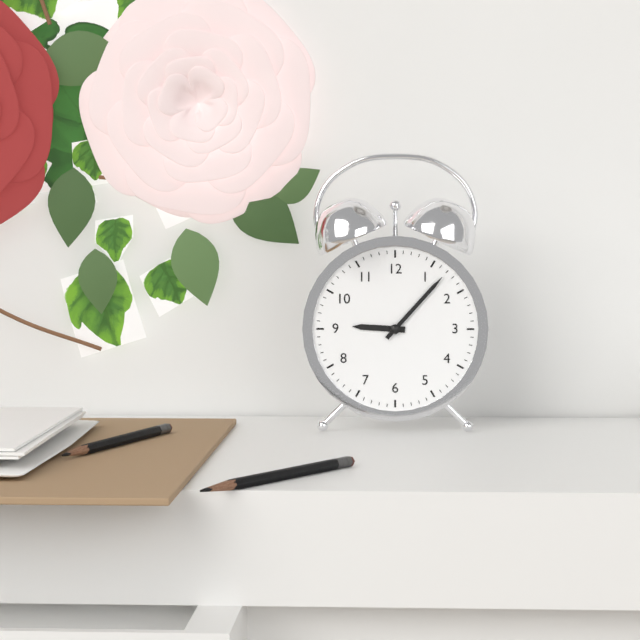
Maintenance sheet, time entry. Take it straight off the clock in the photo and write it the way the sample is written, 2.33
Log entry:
9.07
